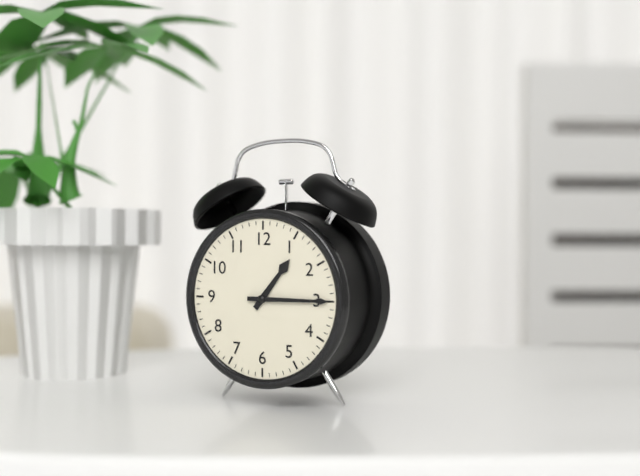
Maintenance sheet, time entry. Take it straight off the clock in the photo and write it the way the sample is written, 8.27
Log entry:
1.15
